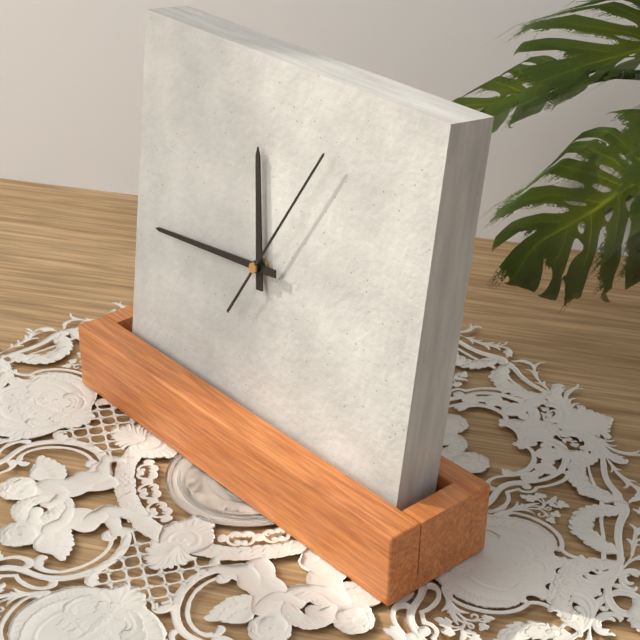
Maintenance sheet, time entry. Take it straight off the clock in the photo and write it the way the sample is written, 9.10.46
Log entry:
11.44.05
